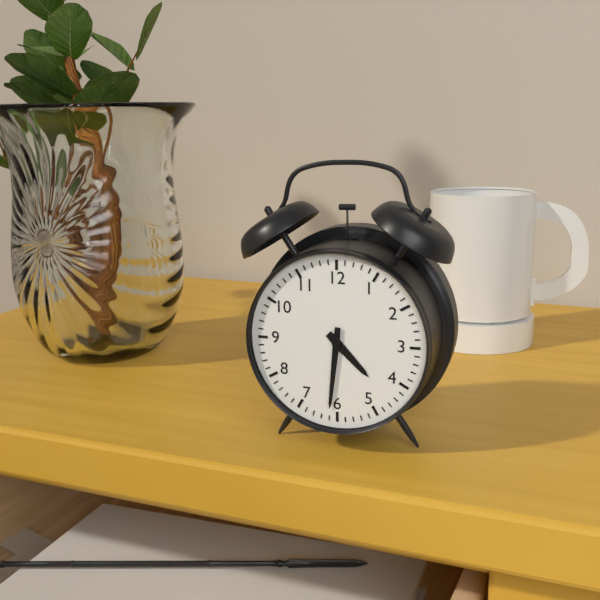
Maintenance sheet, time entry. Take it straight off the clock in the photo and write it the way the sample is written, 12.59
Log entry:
4.31
